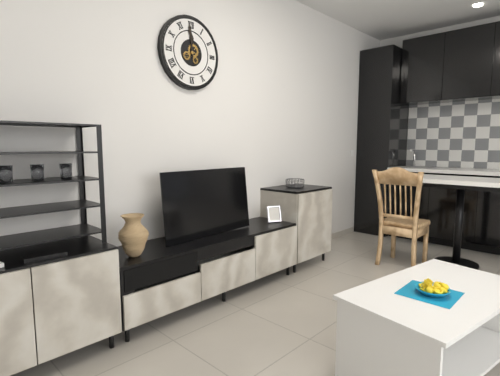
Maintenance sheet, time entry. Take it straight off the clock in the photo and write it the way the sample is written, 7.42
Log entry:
11.59
